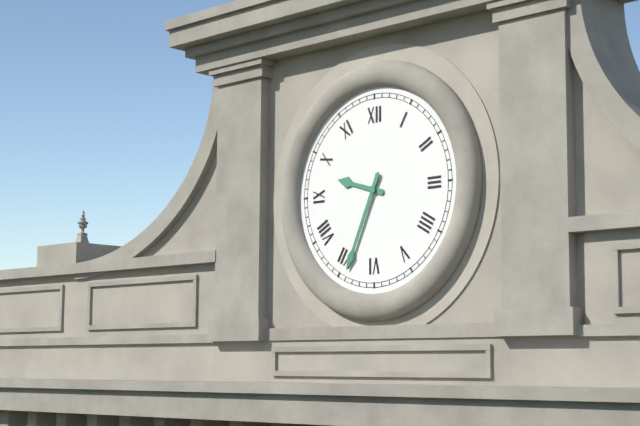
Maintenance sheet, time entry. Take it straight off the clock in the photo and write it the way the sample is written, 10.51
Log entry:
9.34
